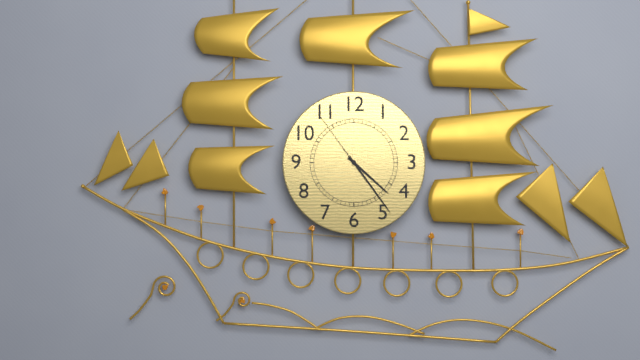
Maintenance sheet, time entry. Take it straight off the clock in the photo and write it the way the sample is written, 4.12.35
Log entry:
4.24.54
